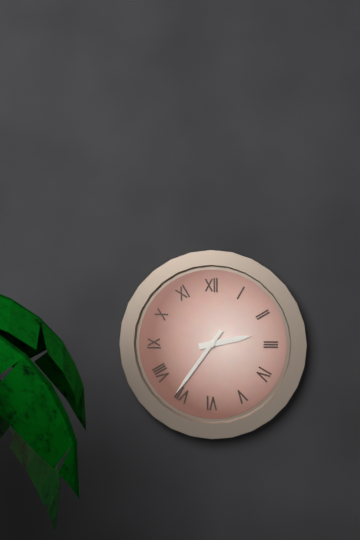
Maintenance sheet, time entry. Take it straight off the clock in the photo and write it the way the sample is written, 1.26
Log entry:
2.36
